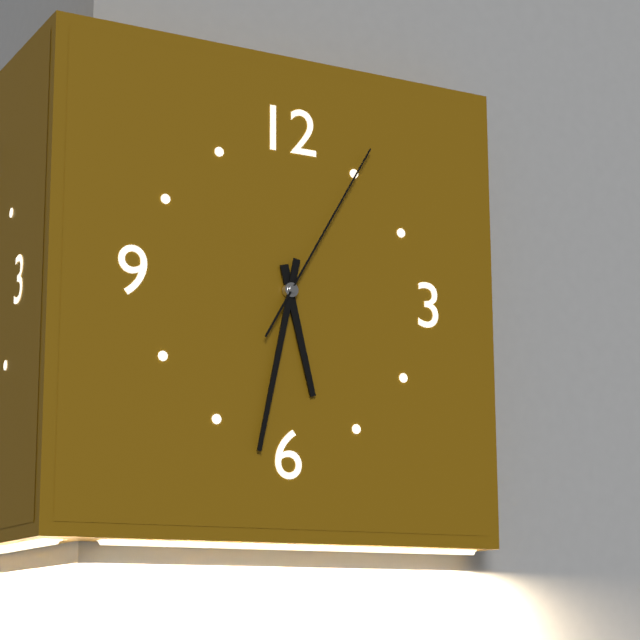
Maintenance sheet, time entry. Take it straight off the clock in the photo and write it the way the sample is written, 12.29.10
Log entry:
5.32.05
